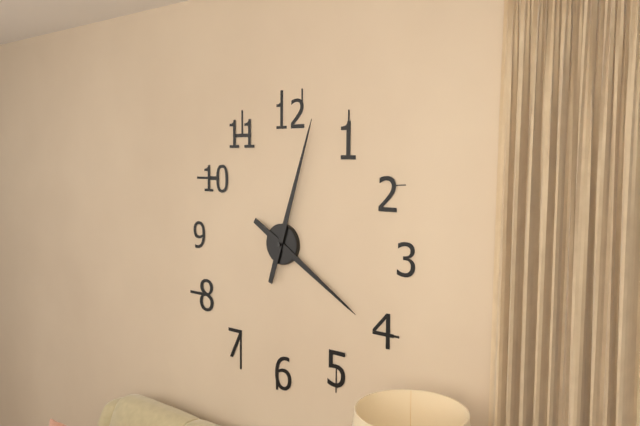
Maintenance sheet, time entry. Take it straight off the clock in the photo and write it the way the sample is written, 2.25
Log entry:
4.03
